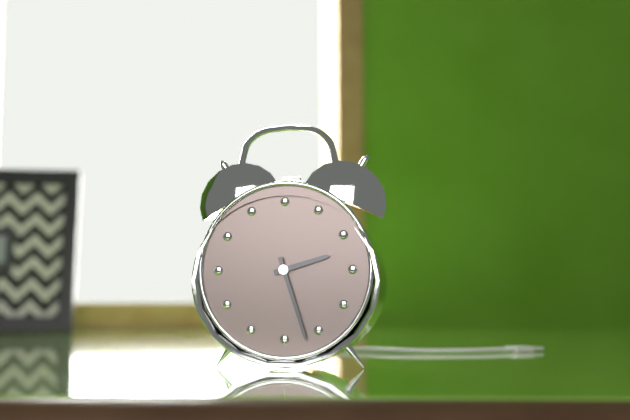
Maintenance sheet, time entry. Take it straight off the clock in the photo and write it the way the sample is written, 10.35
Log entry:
2.27
